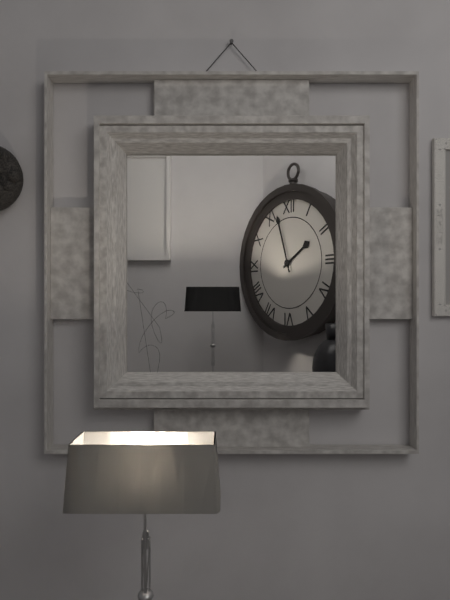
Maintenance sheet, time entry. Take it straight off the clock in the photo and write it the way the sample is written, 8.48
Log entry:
1.57
